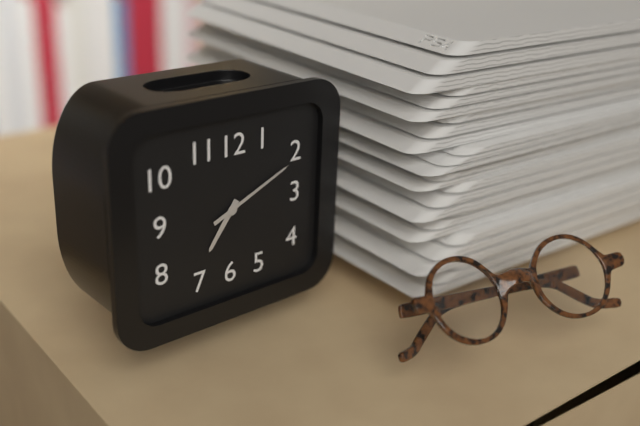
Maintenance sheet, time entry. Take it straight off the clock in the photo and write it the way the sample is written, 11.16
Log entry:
7.11
